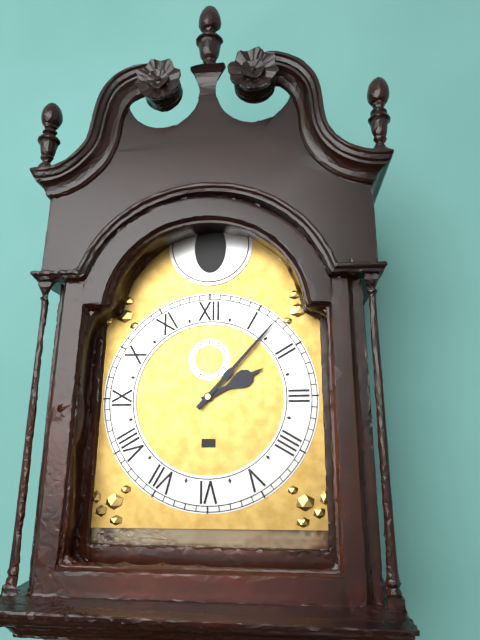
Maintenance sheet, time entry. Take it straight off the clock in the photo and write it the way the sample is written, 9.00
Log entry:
2.07
